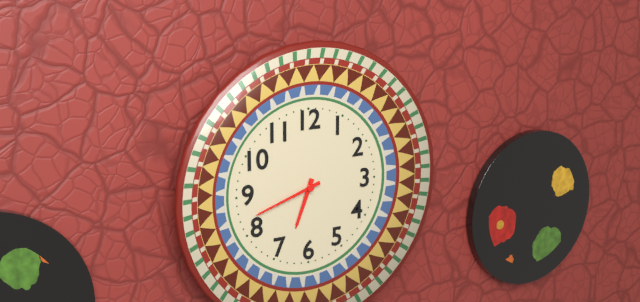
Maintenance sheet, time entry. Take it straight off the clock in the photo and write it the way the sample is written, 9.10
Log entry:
6.42
